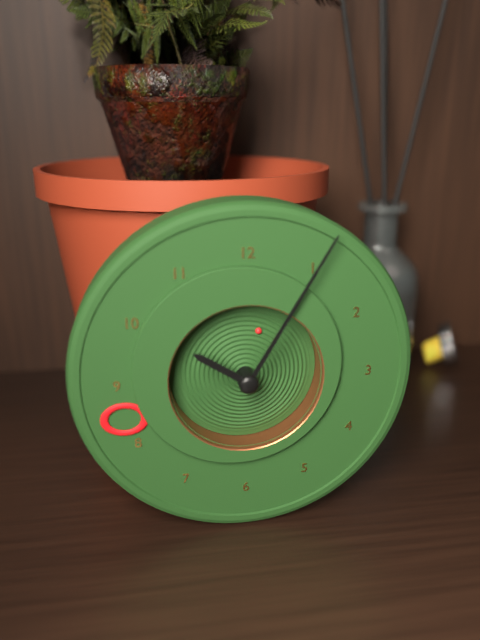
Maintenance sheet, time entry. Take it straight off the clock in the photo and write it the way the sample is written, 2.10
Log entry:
10.05
